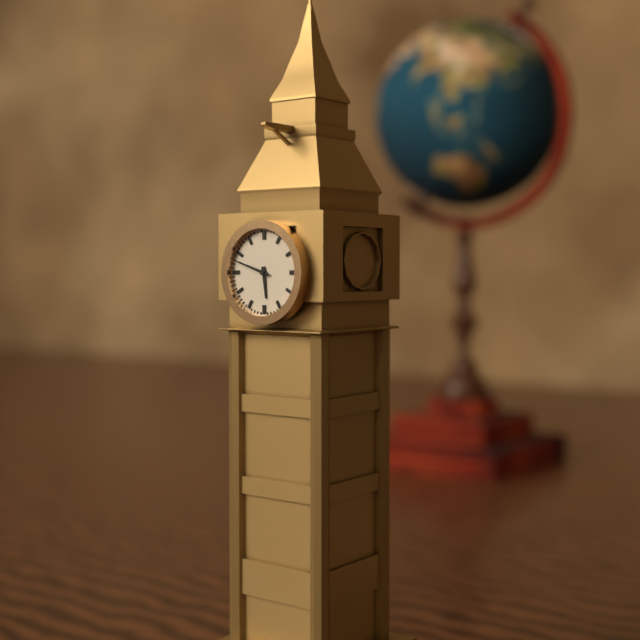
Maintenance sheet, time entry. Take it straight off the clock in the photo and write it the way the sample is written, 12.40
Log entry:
5.48
